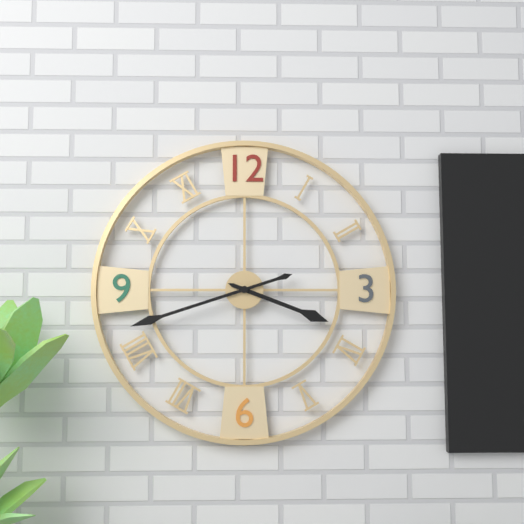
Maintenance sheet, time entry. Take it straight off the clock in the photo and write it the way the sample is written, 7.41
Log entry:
3.42
